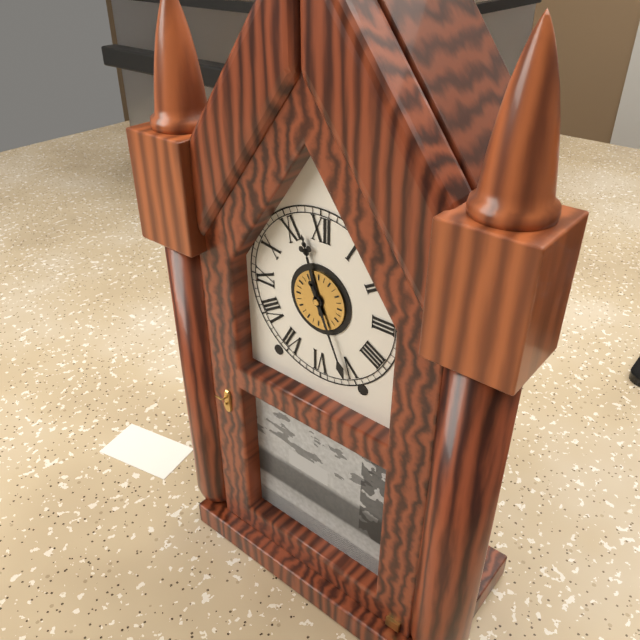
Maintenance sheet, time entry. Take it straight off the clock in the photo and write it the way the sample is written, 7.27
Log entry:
11.26
